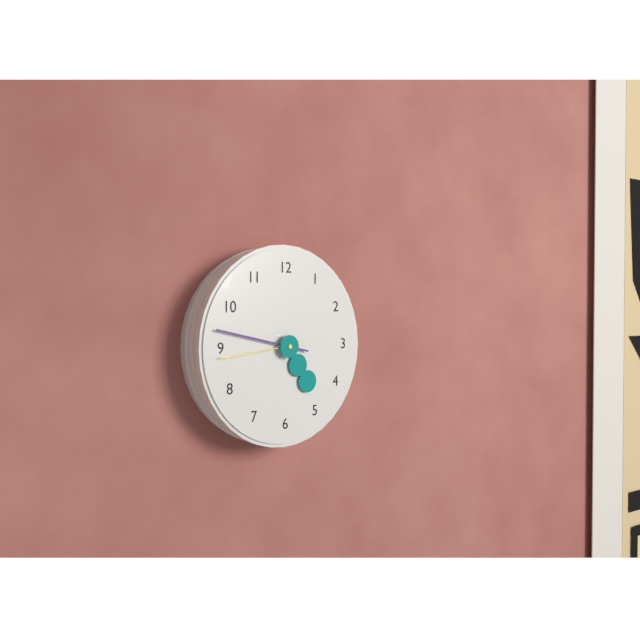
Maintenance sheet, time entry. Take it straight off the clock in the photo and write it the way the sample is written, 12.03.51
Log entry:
4.47.44
